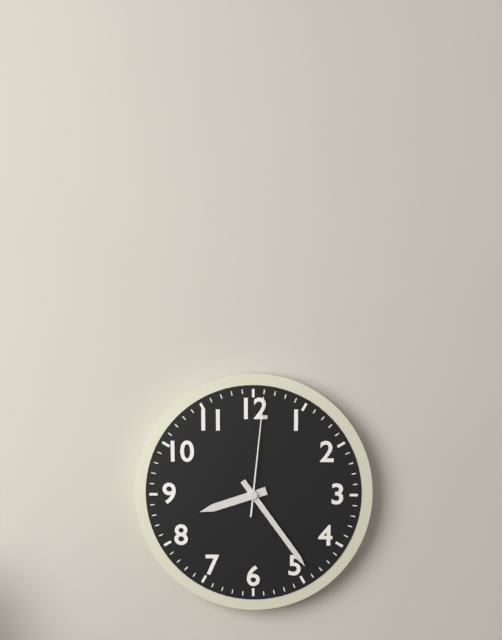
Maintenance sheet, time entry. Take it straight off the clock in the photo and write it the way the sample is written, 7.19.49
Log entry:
8.24.01
